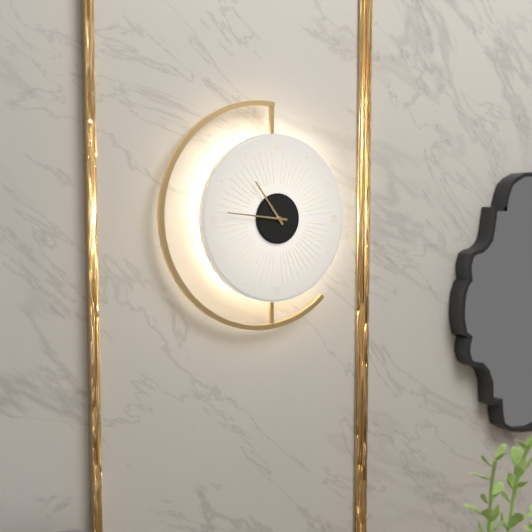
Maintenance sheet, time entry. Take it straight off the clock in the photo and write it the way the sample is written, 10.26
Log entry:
10.46
